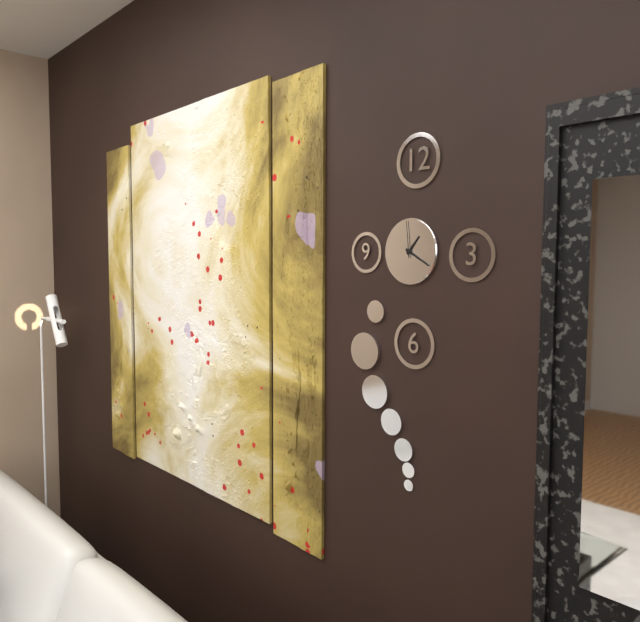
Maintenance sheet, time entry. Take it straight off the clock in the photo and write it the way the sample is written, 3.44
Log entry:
1.20
